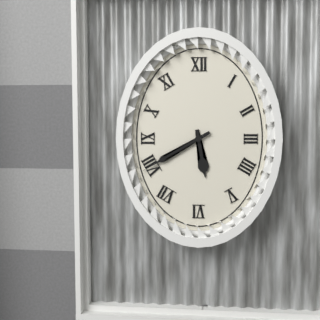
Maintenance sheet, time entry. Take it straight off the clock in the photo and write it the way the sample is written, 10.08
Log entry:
5.40
